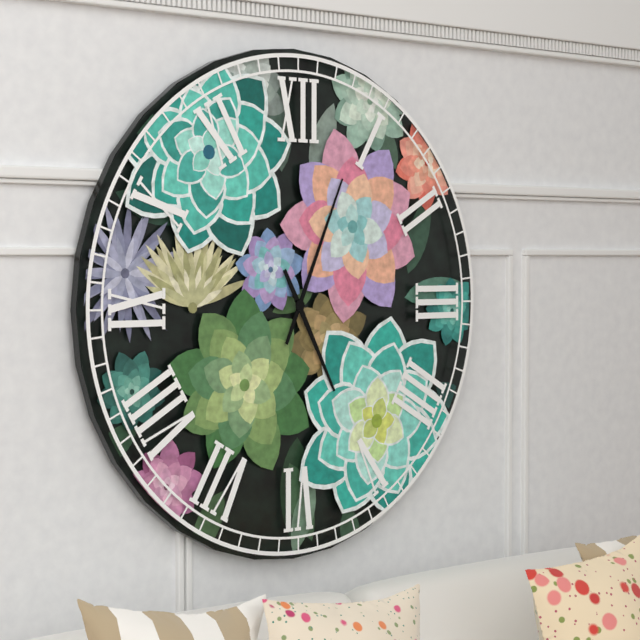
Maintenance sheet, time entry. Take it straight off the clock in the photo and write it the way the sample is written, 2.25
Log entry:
5.04
